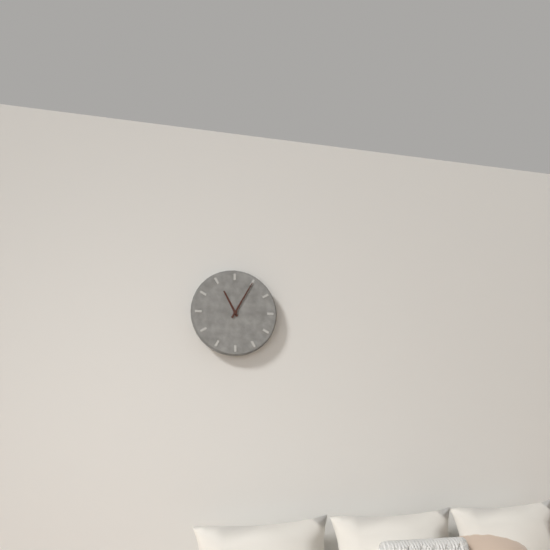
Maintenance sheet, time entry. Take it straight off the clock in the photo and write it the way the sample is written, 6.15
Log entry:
11.05
